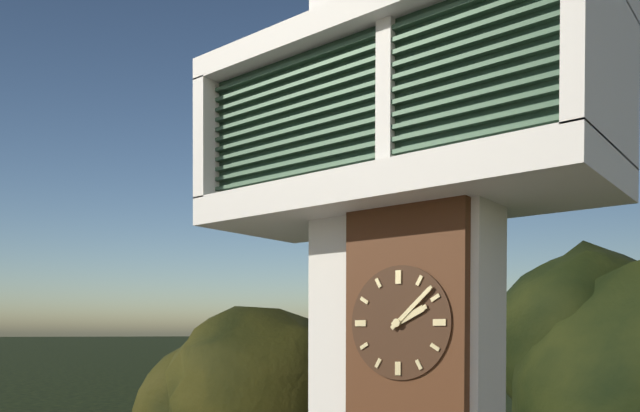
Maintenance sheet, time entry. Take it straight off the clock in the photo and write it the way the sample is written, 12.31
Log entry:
2.08
